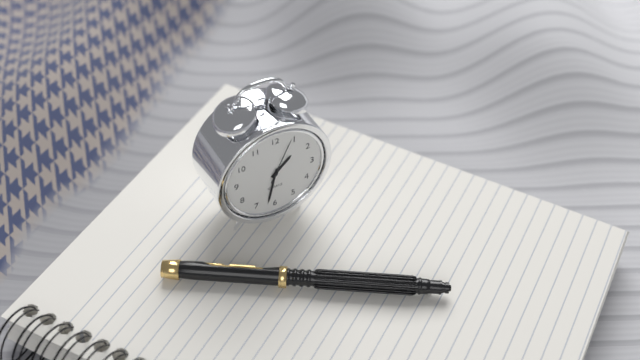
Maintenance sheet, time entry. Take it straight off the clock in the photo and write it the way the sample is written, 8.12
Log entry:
1.32
